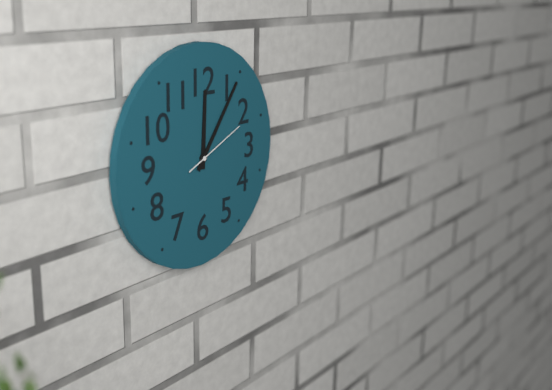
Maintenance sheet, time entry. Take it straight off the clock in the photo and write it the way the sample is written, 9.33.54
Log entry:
12.06.11
